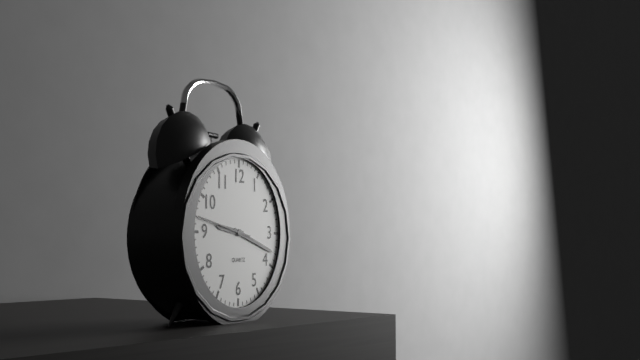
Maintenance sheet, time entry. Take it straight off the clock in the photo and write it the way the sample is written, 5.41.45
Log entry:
9.18.47
